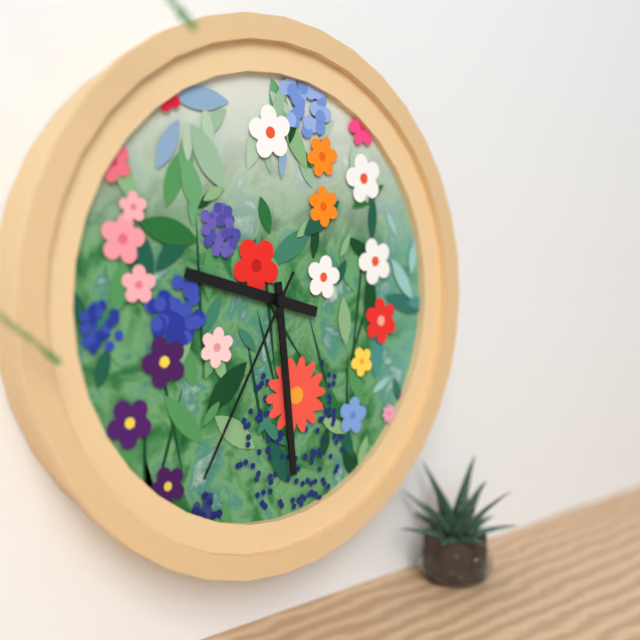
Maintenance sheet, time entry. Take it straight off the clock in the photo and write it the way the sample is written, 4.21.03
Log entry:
9.29.35
